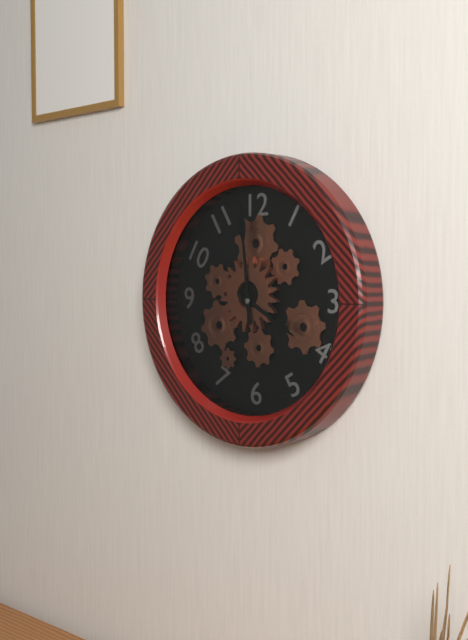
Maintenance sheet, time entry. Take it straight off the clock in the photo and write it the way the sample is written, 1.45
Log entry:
3.59
